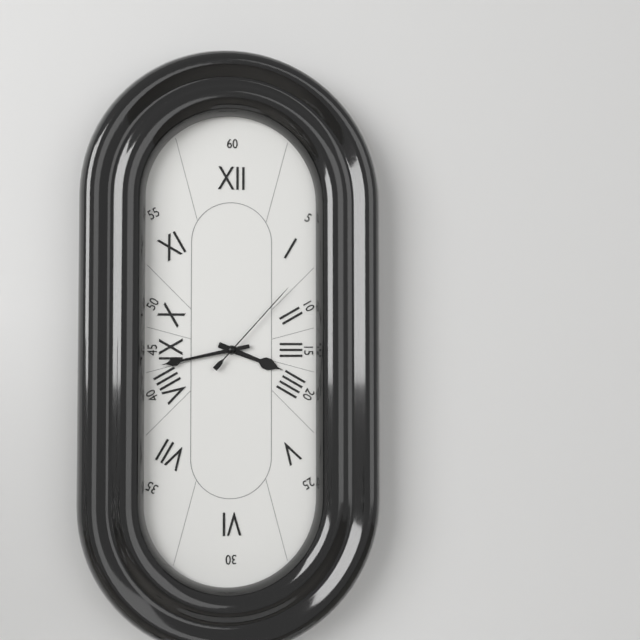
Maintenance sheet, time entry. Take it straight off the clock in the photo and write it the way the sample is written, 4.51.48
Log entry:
3.43.07
